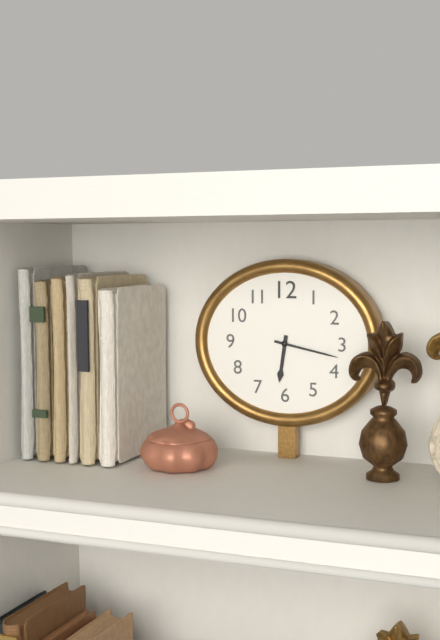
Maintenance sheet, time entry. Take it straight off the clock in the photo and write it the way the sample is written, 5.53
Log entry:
6.17
